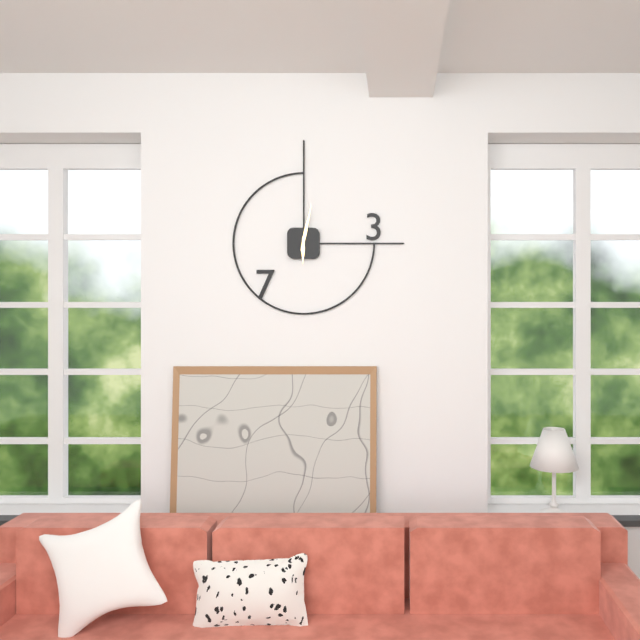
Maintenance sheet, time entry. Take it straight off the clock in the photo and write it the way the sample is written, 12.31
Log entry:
6.02
